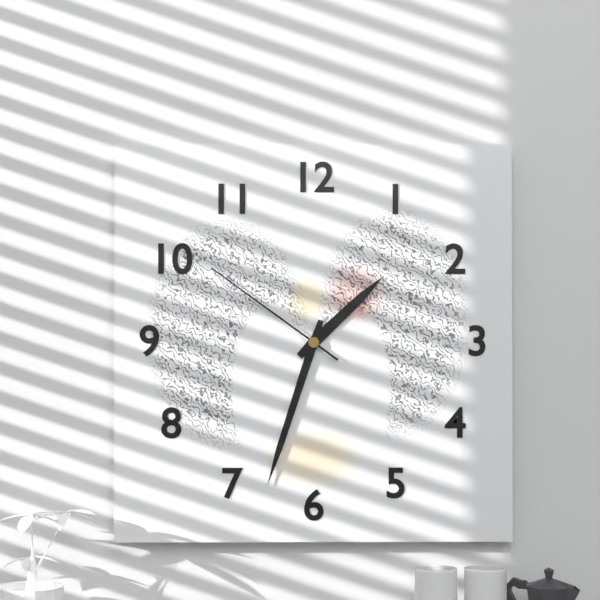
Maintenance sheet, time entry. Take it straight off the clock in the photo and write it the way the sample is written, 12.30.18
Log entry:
1.33.51
